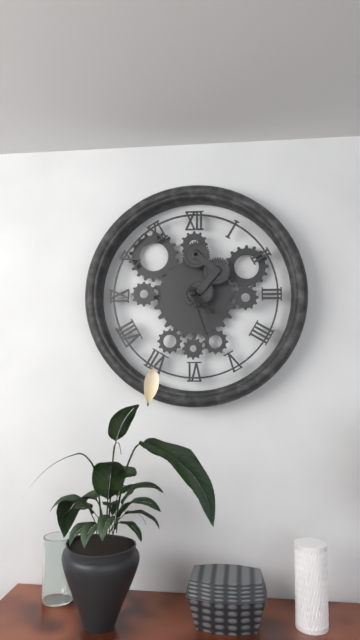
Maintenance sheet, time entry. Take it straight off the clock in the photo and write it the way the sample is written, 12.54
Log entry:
4.27
